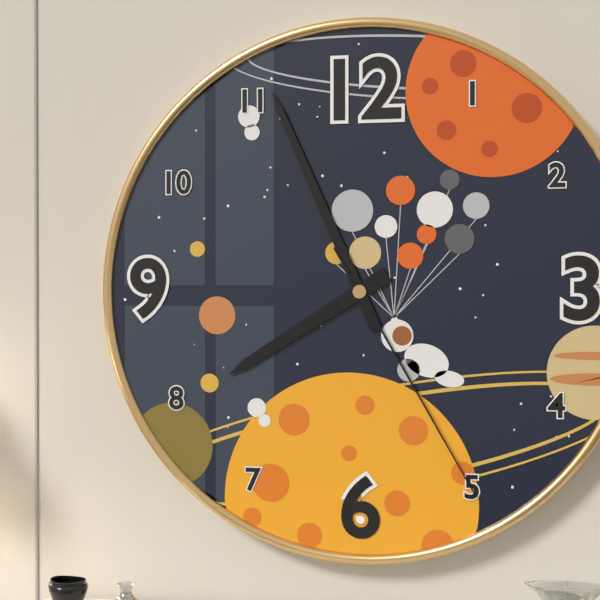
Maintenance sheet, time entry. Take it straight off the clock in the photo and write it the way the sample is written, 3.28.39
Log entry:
7.56.25
